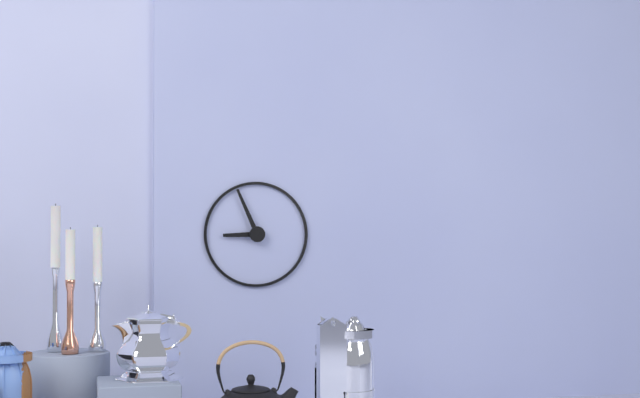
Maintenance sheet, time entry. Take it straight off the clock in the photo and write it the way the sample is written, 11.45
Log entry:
8.56
